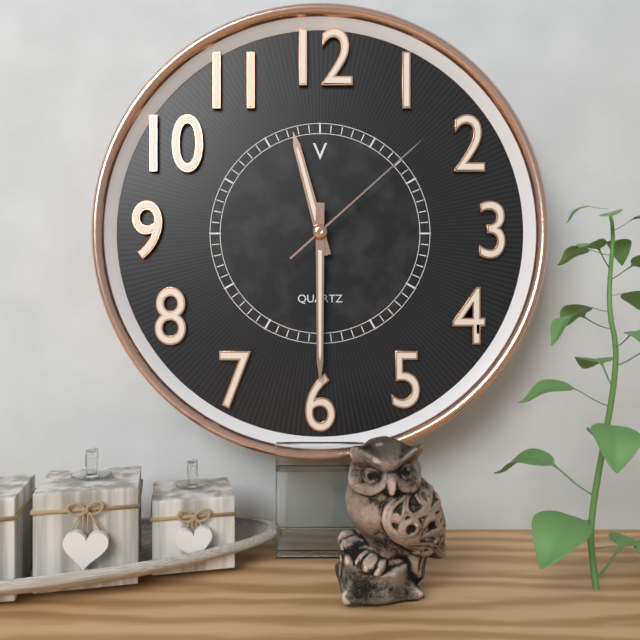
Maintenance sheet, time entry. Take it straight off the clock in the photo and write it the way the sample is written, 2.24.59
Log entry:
11.30.08
